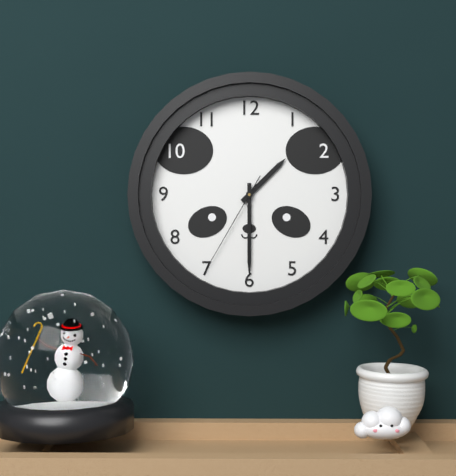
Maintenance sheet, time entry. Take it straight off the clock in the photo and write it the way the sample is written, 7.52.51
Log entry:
1.30.35
